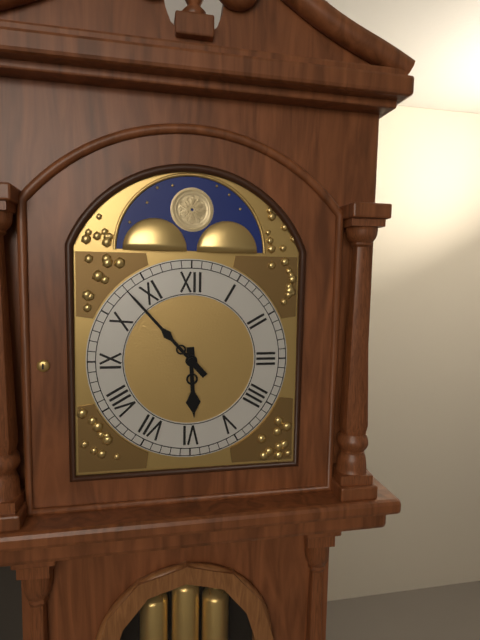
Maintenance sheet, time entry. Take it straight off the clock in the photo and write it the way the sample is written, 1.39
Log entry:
5.53
